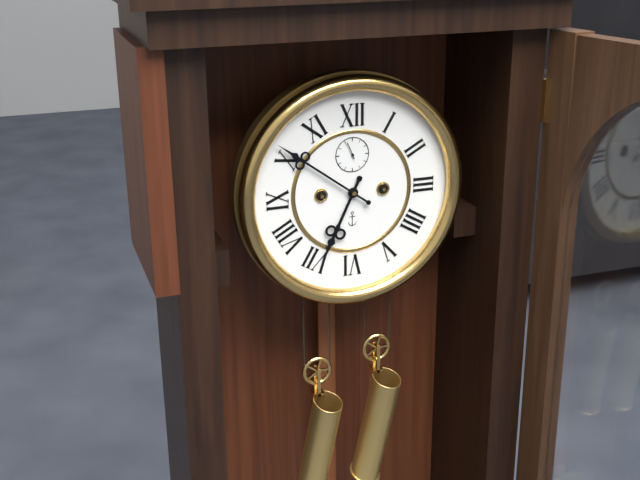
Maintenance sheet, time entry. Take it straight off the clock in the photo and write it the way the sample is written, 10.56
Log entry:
6.51
